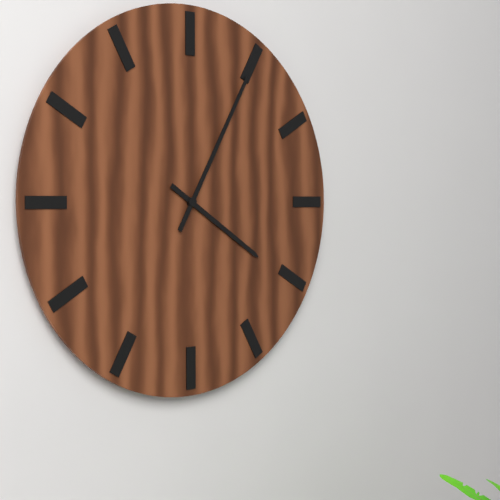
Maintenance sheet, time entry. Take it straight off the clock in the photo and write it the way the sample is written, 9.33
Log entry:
4.05
